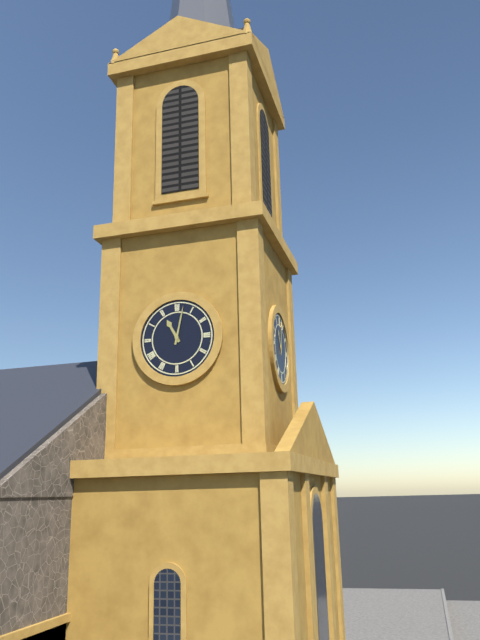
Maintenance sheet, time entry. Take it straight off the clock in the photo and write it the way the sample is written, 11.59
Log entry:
11.02
